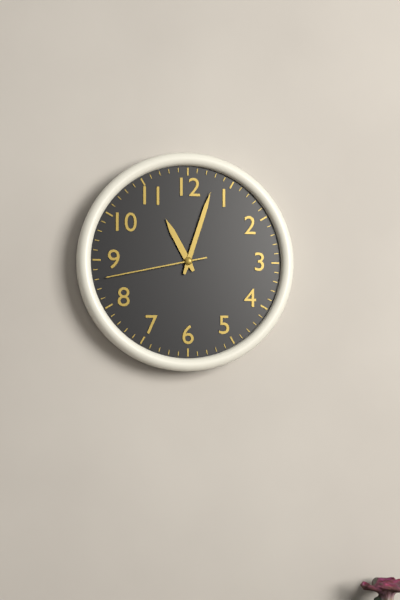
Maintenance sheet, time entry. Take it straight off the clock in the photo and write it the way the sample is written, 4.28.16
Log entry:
11.03.43
